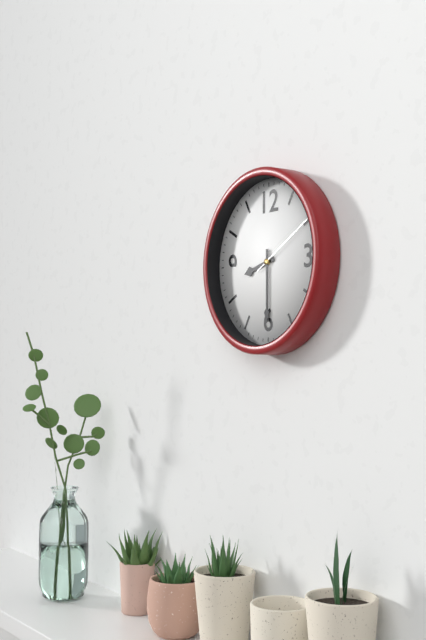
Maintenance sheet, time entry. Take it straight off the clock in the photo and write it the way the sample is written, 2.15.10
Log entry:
8.30.10
